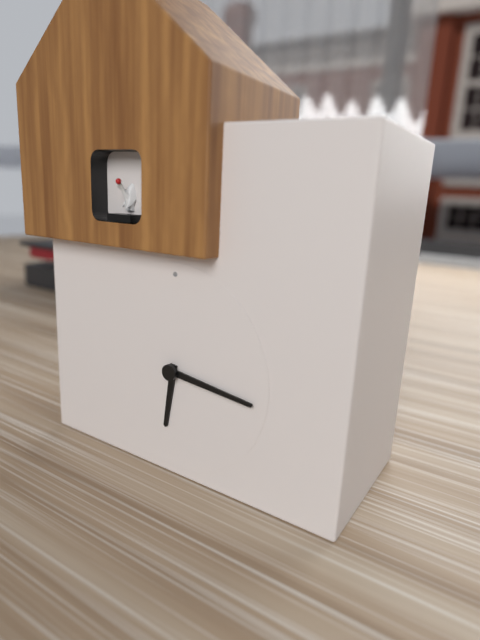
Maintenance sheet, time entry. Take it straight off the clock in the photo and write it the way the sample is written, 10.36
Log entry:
6.16
